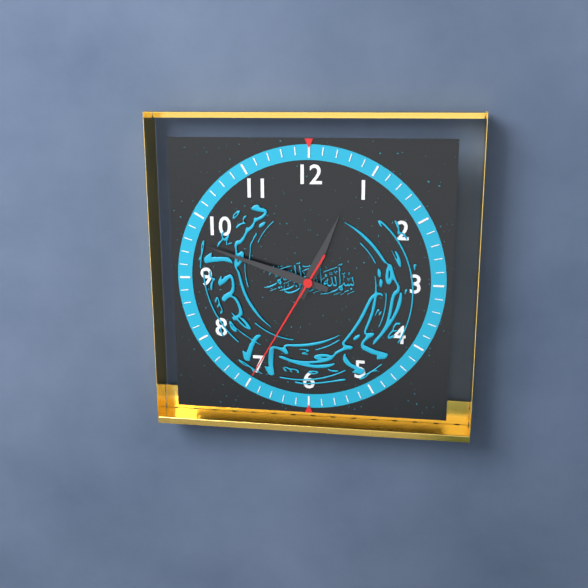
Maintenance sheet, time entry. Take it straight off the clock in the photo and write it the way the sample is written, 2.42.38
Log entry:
12.48.35
